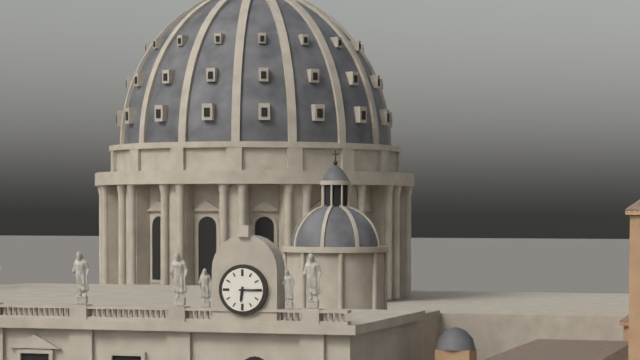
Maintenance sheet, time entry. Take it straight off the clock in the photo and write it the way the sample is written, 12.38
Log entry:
6.15
